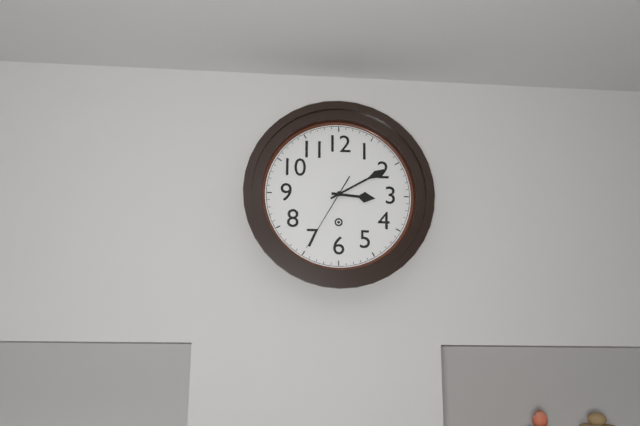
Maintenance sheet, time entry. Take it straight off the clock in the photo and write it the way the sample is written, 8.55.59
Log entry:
3.10.35
